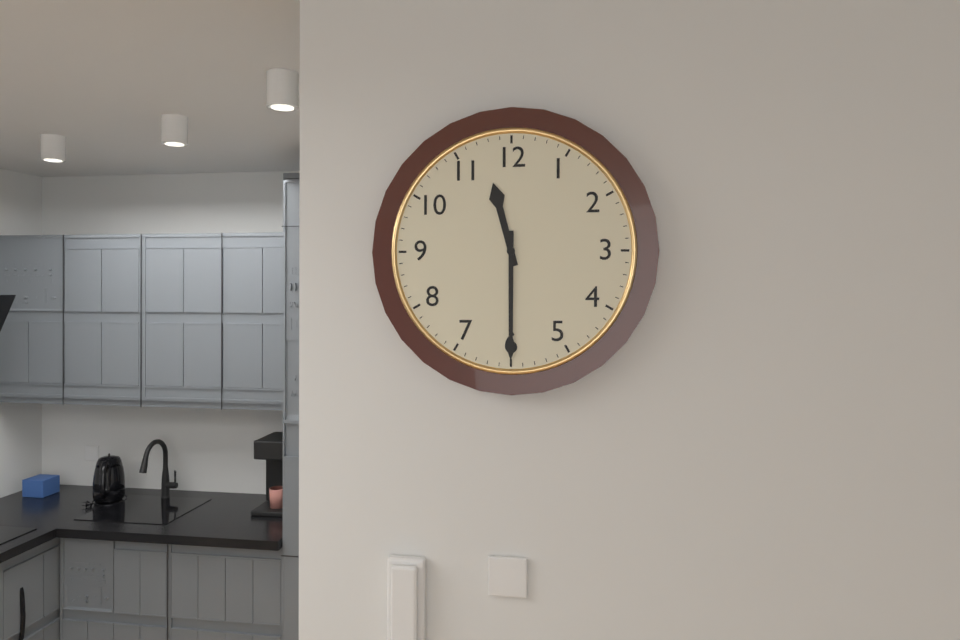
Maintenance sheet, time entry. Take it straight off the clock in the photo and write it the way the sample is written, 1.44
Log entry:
11.30
